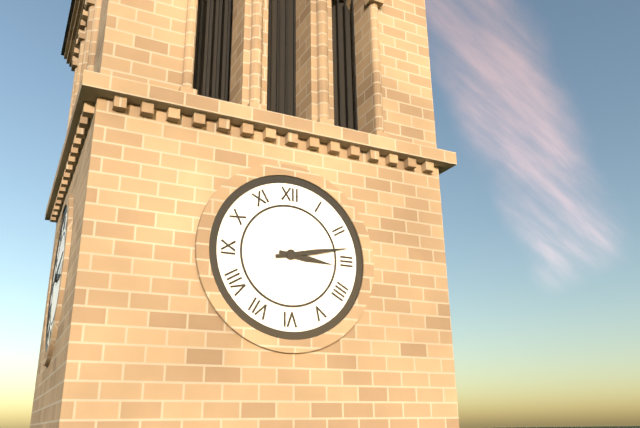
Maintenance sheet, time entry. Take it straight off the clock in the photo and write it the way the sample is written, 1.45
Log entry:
3.13
